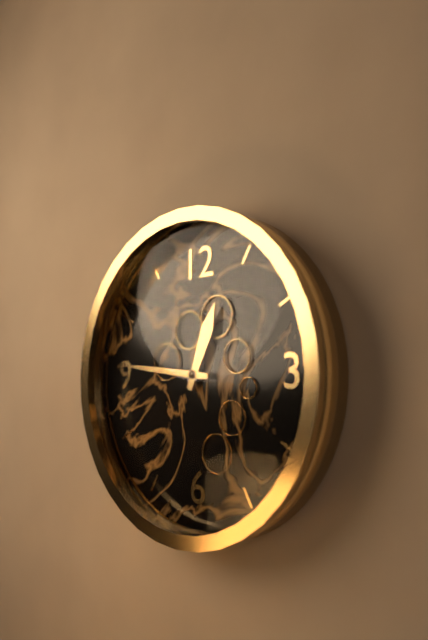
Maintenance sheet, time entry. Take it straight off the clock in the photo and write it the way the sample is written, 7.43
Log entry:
12.46
